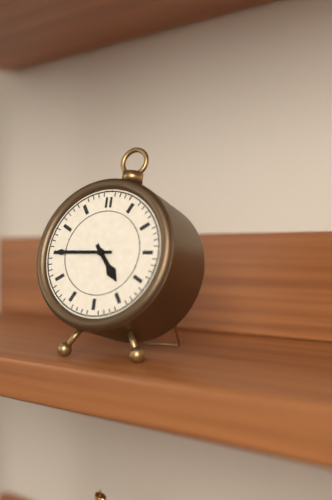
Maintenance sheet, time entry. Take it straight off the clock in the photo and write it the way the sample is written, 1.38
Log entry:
4.45
